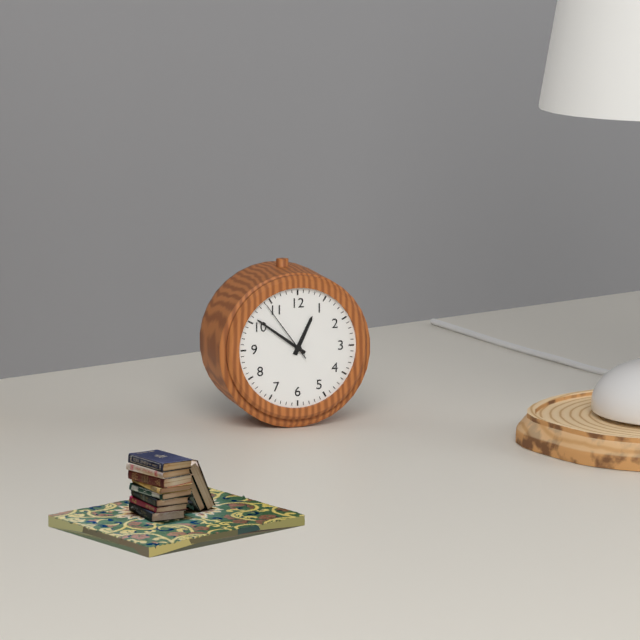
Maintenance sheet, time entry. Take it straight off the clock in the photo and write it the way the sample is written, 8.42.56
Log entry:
12.51.54
